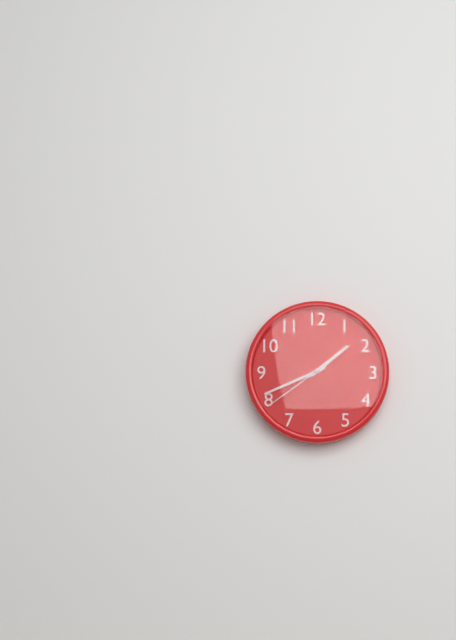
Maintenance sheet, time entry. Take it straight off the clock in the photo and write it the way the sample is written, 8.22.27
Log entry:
1.41.39
